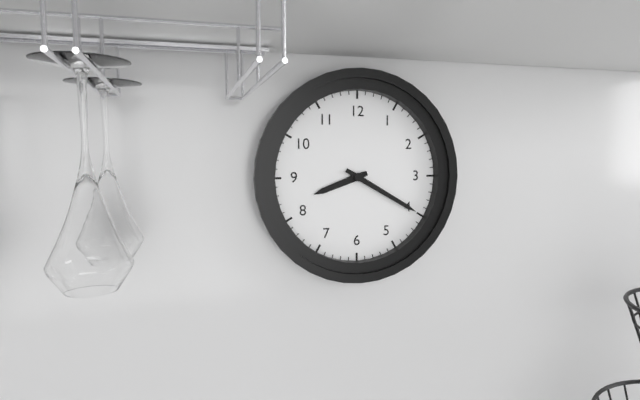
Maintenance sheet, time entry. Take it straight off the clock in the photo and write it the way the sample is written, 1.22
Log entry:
8.20
